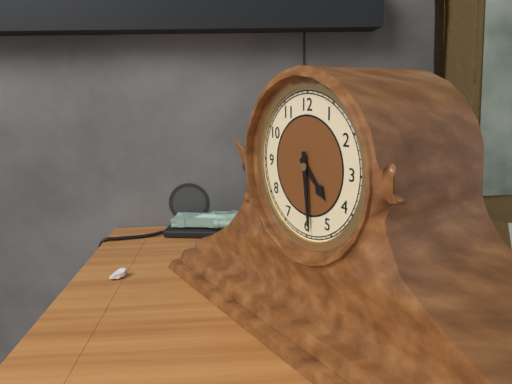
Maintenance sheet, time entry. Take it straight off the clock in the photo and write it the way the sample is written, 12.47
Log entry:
4.29
